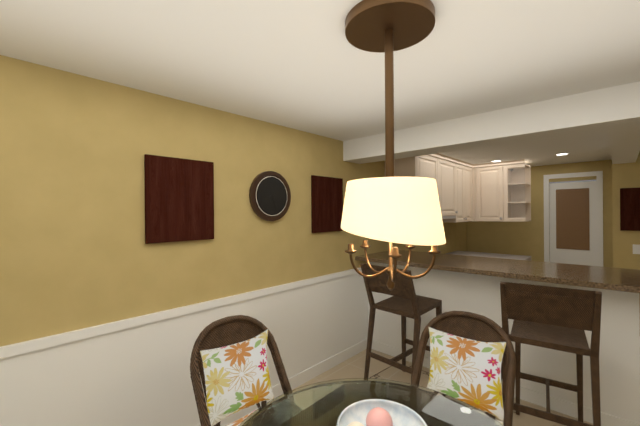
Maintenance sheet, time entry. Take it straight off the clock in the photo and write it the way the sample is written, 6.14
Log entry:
8.27
